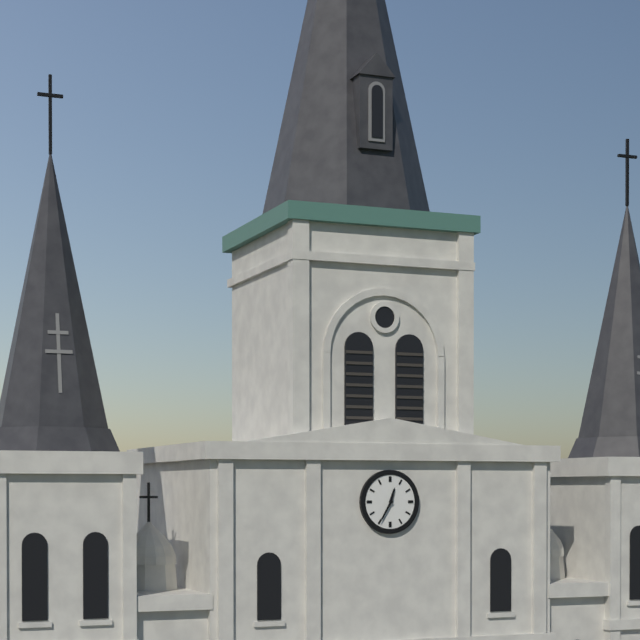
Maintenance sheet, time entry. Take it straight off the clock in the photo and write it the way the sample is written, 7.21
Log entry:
12.35
